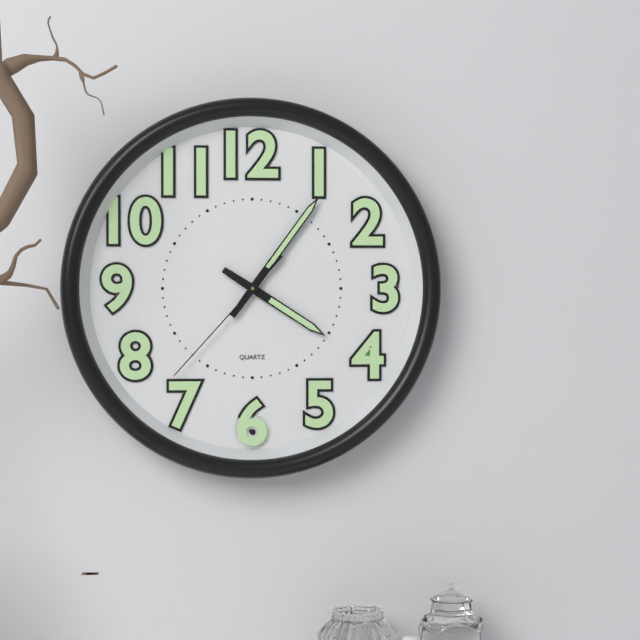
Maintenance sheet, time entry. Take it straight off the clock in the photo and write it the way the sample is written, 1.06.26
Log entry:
4.06.37
